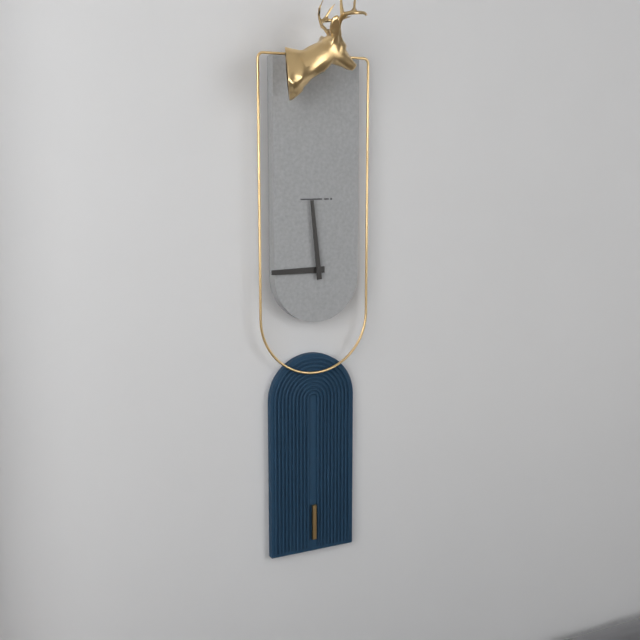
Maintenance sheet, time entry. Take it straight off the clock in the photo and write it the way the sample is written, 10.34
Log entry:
8.59
